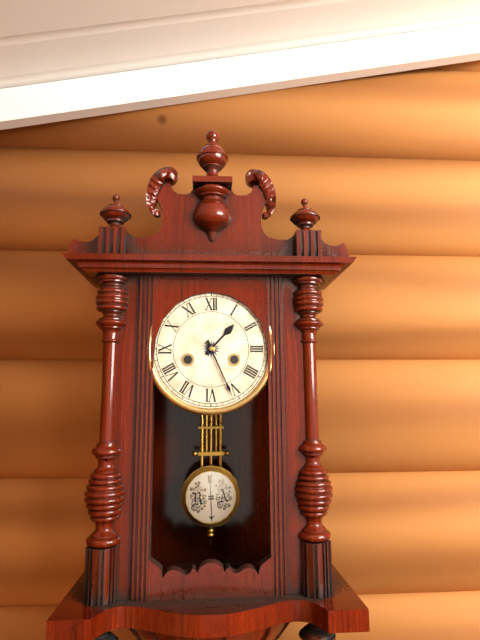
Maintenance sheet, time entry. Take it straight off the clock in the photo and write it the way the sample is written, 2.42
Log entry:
1.26
